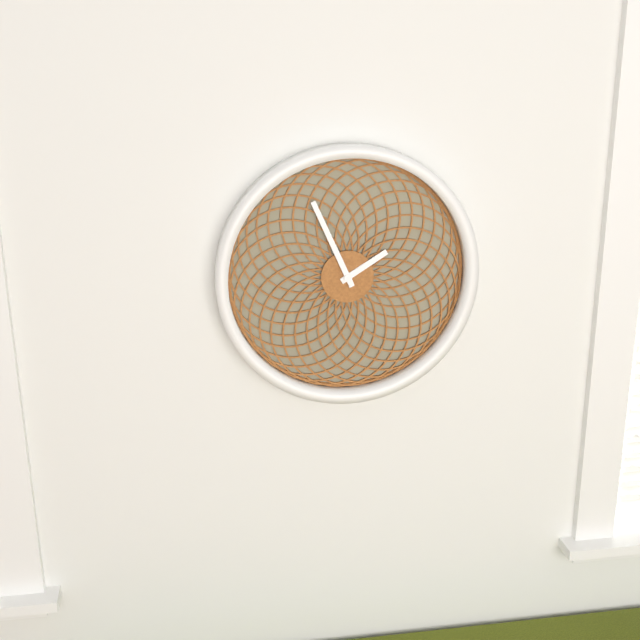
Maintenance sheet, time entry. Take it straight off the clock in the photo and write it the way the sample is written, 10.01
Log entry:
1.56
